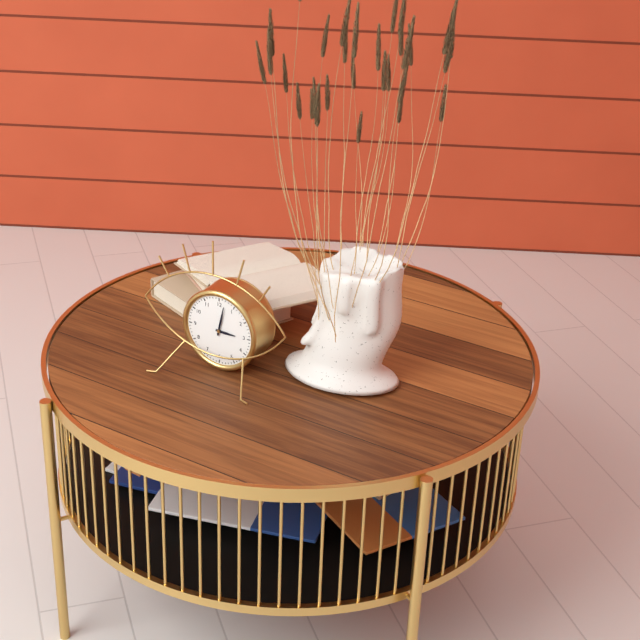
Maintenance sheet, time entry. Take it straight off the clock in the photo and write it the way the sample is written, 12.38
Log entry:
3.02
